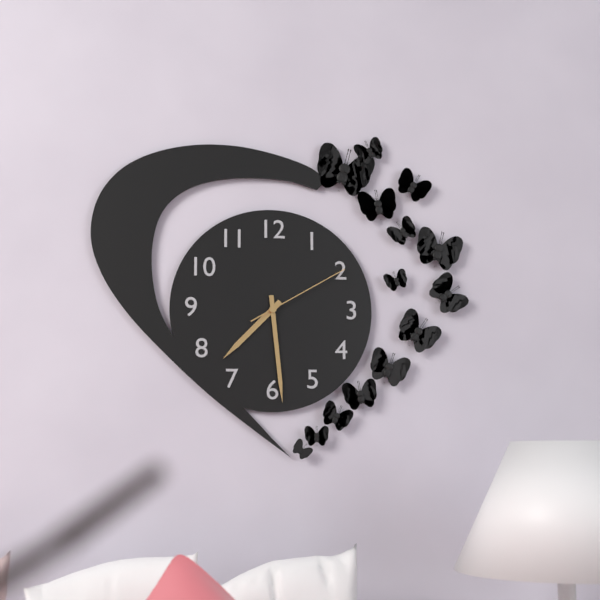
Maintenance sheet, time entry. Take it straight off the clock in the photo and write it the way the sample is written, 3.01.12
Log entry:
7.29.10
